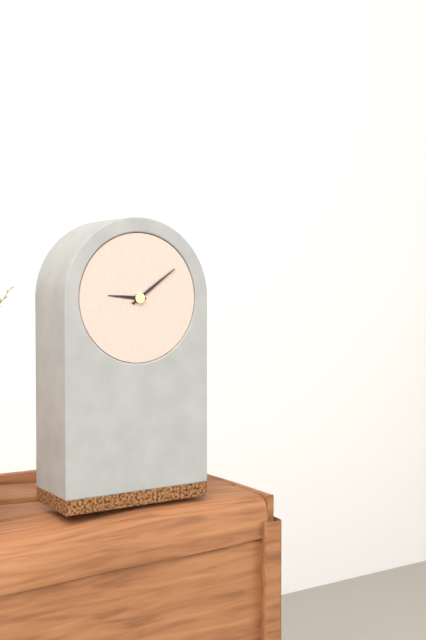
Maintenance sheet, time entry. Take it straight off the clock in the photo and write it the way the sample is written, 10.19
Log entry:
9.09
